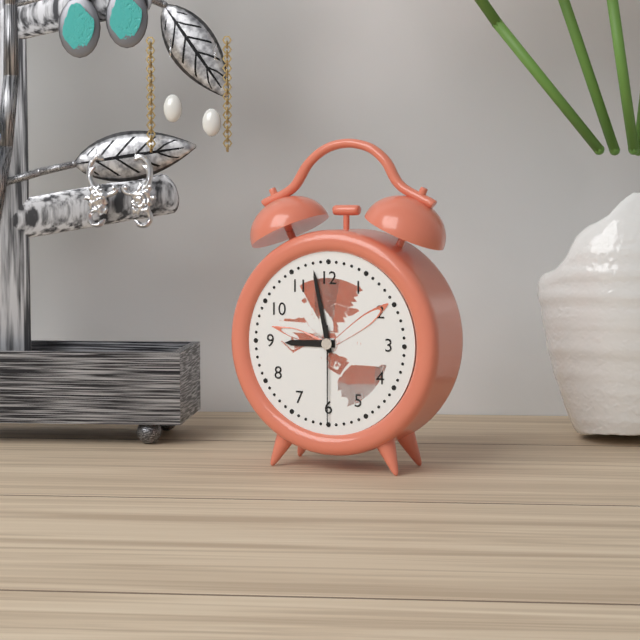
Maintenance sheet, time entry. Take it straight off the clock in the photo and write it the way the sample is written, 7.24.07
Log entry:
8.58.30
